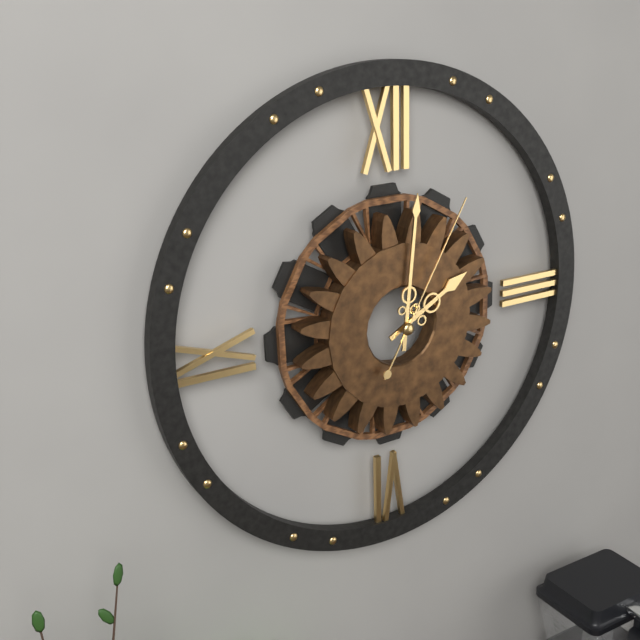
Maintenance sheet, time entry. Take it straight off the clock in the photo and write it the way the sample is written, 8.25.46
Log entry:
2.01.05
